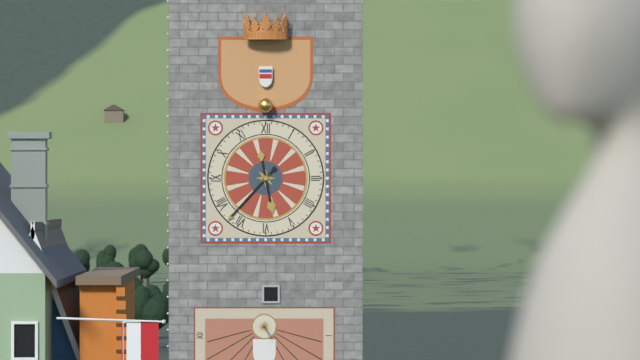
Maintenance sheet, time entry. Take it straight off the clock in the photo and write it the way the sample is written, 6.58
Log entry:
5.37
